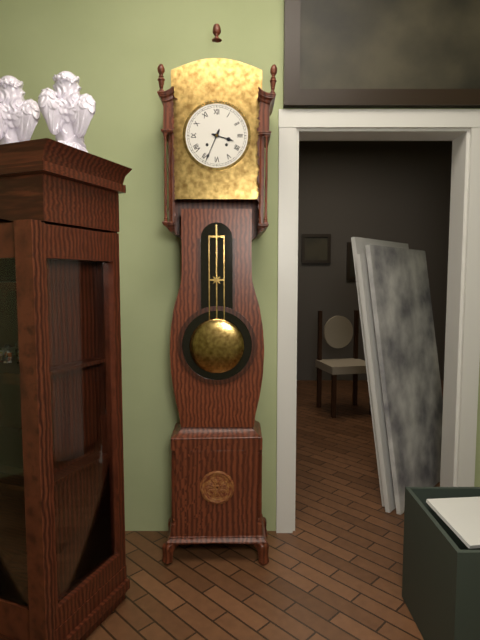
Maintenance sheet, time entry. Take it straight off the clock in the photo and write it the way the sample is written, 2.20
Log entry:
3.34
